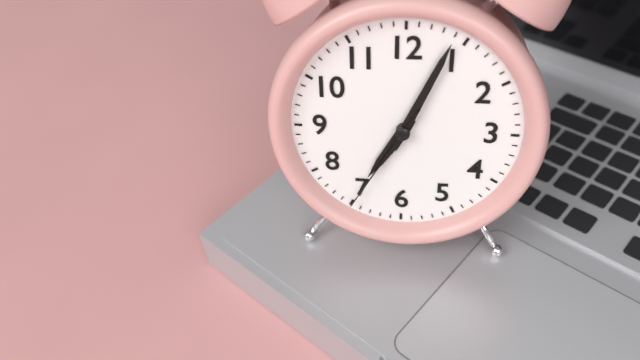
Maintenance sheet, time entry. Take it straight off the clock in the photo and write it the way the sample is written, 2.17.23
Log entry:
7.04.35
